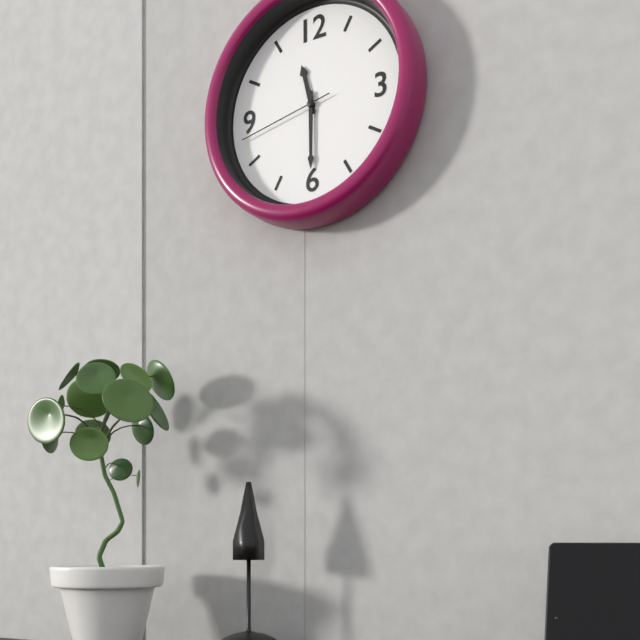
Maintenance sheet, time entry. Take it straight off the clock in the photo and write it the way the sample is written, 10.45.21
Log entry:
11.30.43
